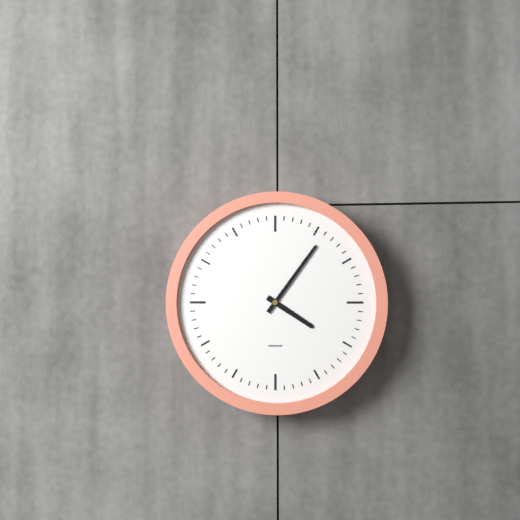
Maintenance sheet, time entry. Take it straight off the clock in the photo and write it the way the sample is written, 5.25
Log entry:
4.06
